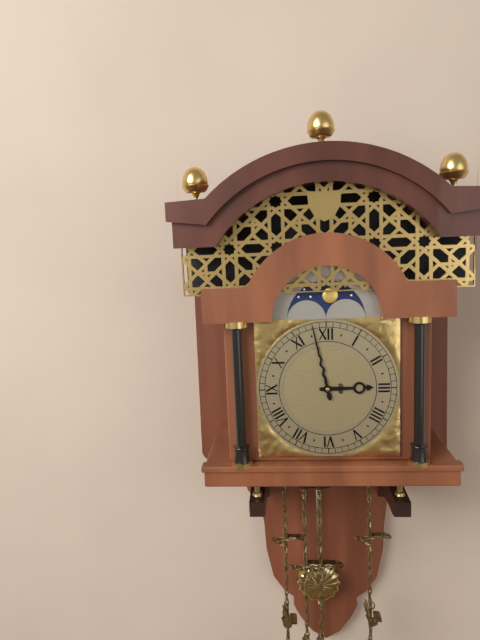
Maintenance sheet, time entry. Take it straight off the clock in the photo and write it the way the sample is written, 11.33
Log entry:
2.58
